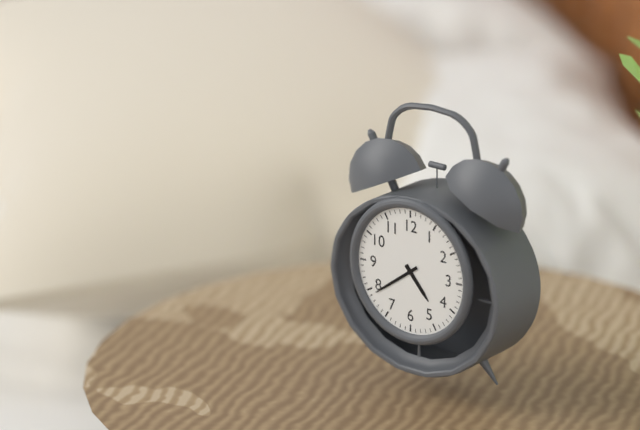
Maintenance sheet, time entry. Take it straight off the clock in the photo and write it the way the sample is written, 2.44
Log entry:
4.39
